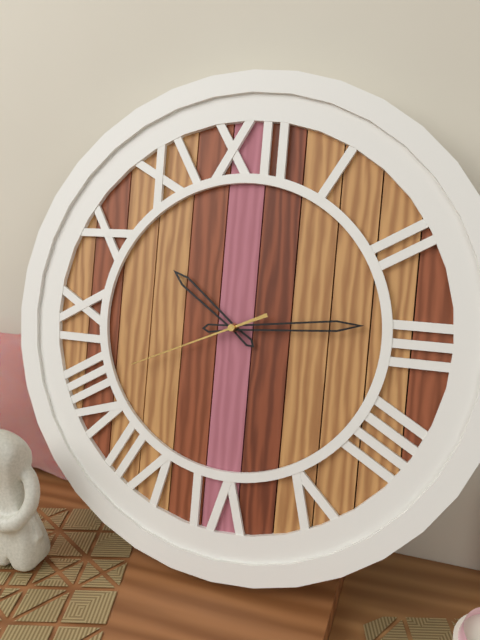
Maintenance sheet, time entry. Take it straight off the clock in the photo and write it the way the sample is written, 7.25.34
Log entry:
10.14.41
